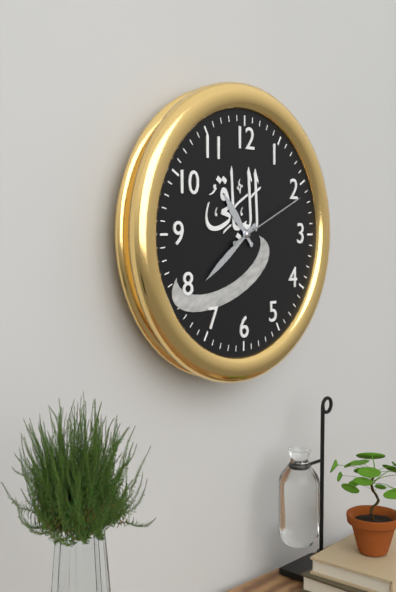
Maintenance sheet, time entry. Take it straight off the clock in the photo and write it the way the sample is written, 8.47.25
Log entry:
10.39.11
